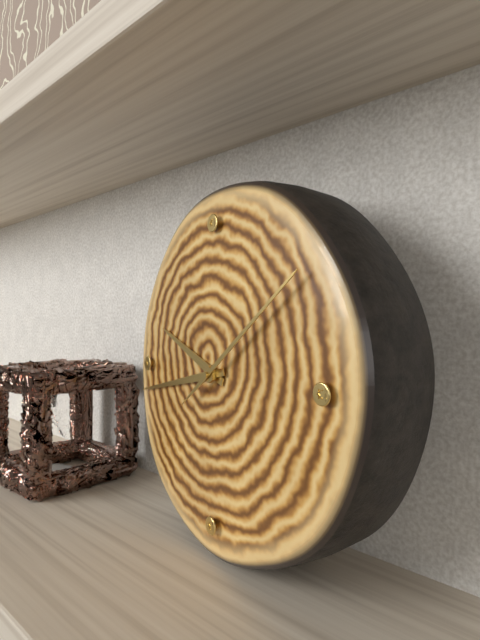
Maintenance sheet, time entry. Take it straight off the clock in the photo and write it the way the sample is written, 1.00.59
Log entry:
9.43.09
